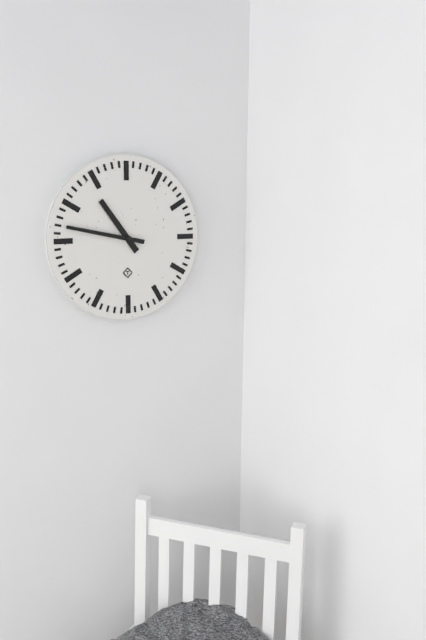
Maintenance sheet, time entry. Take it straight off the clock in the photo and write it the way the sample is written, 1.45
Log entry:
10.47
